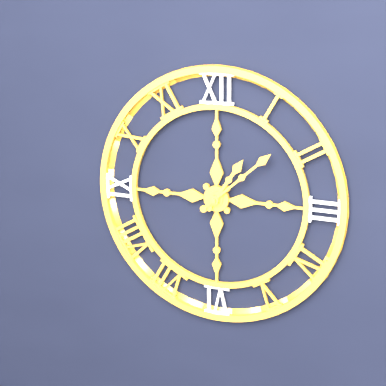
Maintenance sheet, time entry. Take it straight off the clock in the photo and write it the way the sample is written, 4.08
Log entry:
1.08
